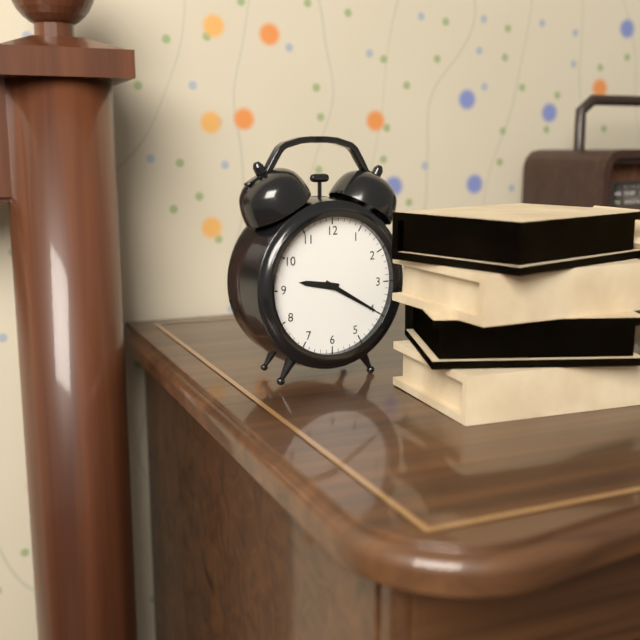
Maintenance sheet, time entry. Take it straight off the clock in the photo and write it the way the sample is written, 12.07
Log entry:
9.20
